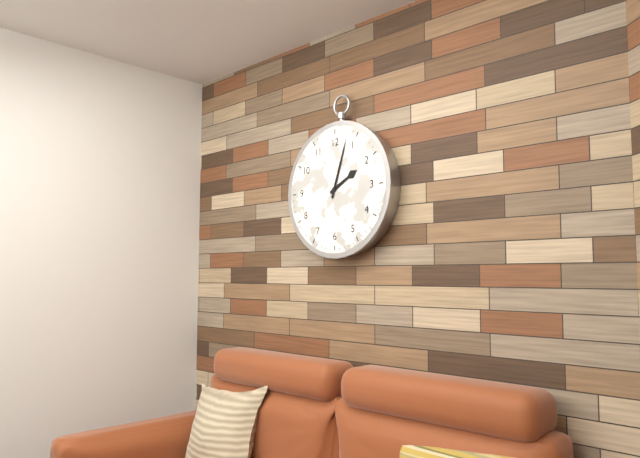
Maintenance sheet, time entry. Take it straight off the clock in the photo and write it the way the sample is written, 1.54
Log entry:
2.03
